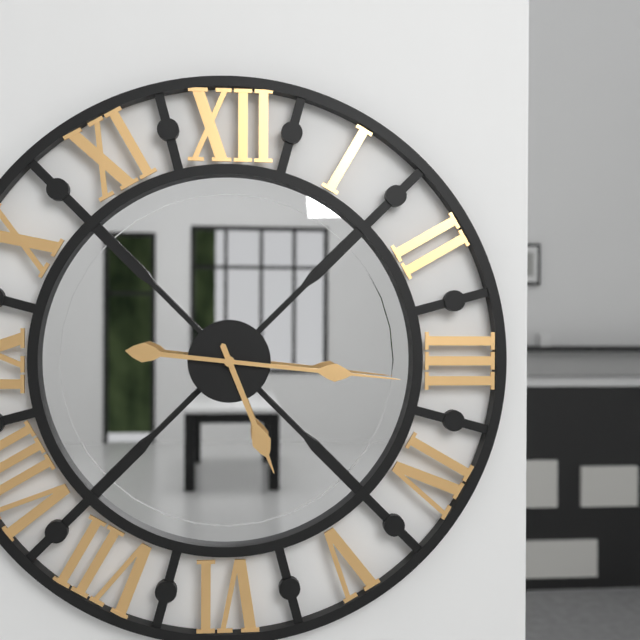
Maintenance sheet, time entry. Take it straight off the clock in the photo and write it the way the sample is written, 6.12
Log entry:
5.16
